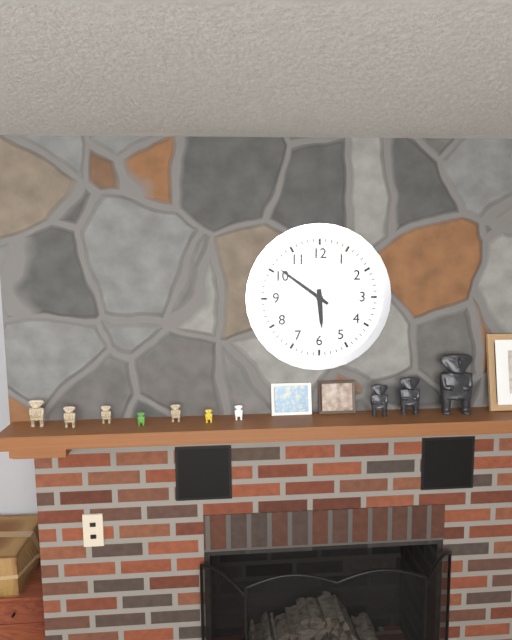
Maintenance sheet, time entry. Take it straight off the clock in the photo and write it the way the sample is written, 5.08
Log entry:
5.51
